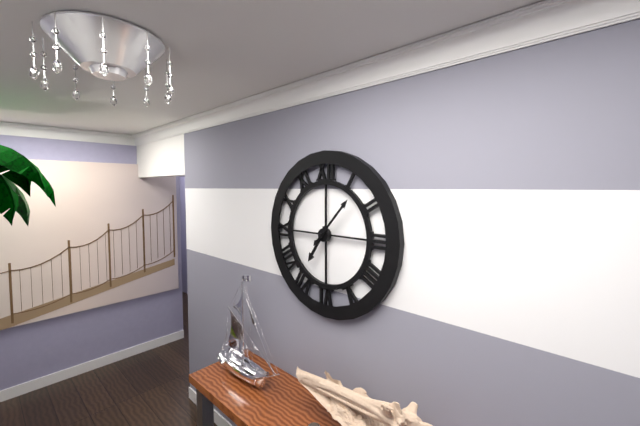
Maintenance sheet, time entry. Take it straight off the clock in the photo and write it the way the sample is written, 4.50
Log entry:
7.07
